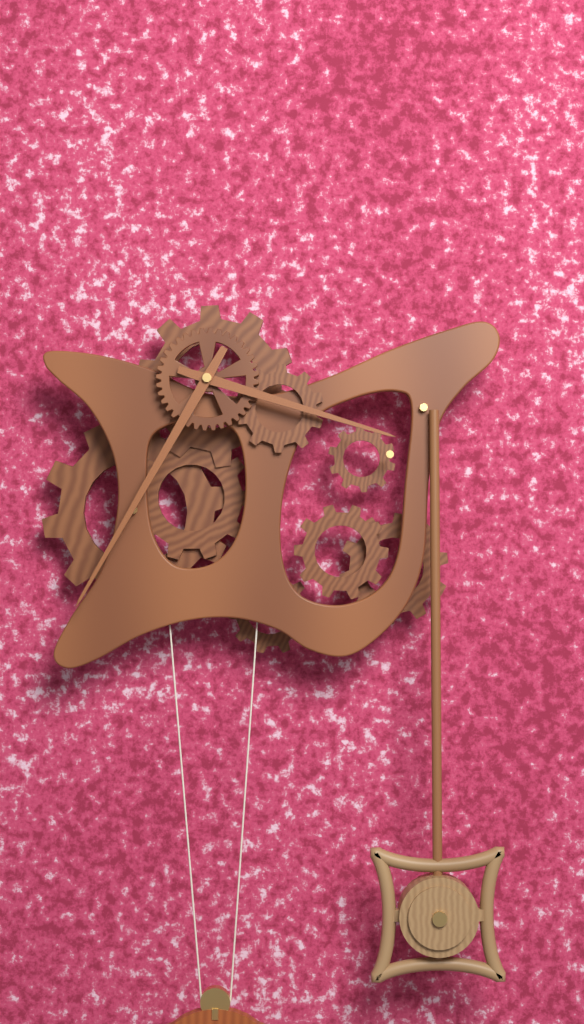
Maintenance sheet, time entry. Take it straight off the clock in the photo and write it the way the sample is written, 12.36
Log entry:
3.35
